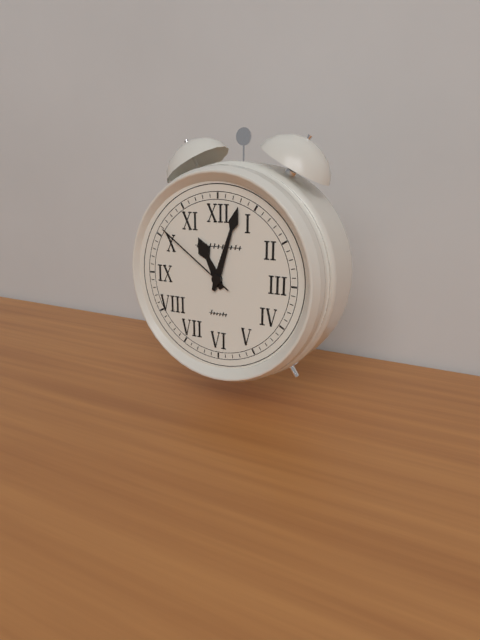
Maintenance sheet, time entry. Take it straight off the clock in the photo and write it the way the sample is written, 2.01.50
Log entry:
11.03.51
